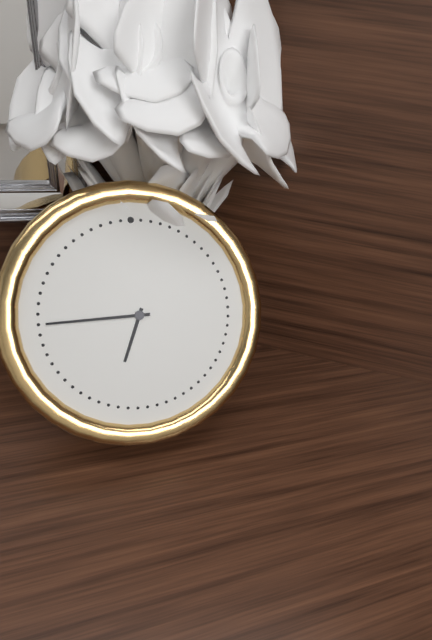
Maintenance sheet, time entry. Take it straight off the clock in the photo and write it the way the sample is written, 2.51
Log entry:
6.45
